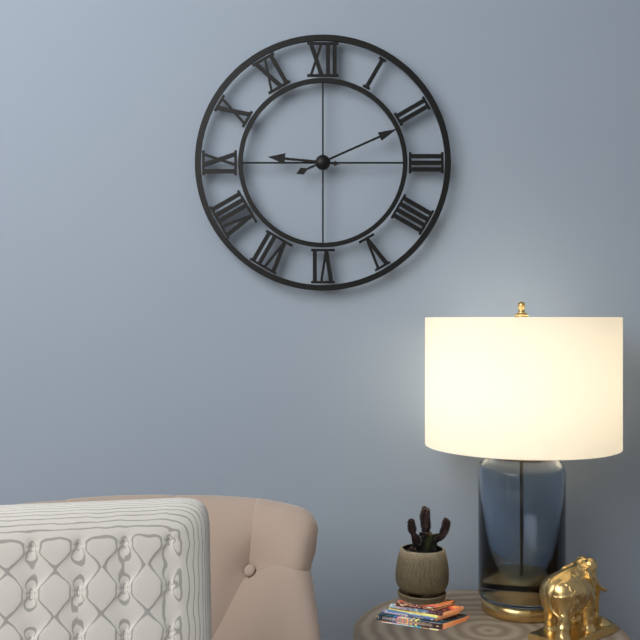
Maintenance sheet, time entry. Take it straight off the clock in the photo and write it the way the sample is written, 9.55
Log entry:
9.11
